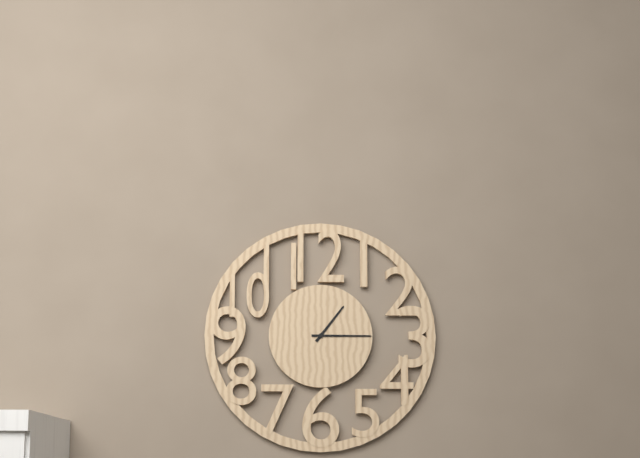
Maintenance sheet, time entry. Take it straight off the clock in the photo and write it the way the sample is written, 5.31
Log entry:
1.15
